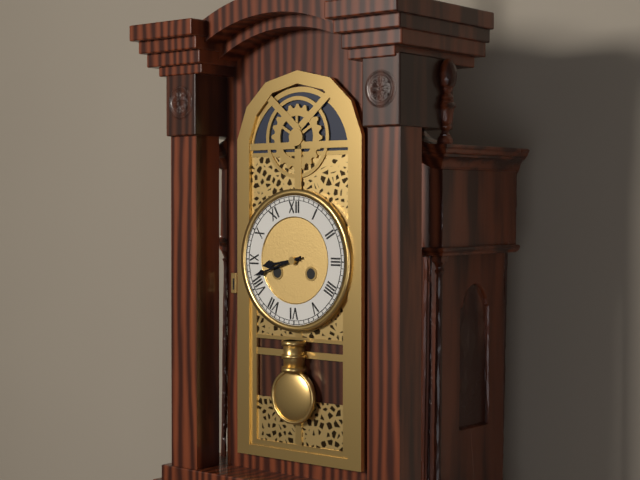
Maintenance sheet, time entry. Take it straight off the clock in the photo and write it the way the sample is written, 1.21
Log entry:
8.42
